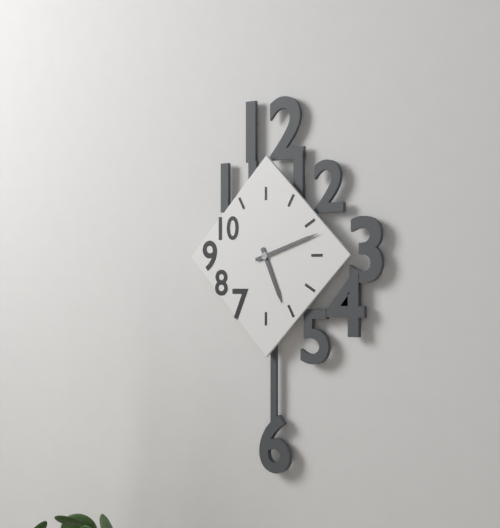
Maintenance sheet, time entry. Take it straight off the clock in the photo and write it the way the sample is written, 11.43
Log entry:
5.12
